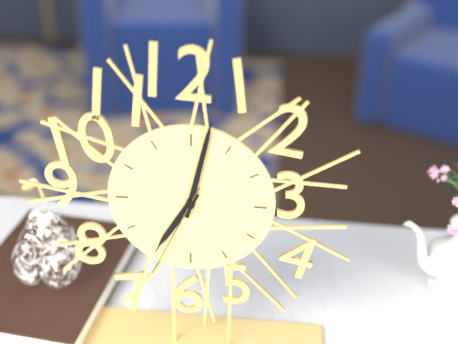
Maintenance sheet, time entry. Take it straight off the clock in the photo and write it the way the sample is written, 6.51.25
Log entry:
7.02.34
